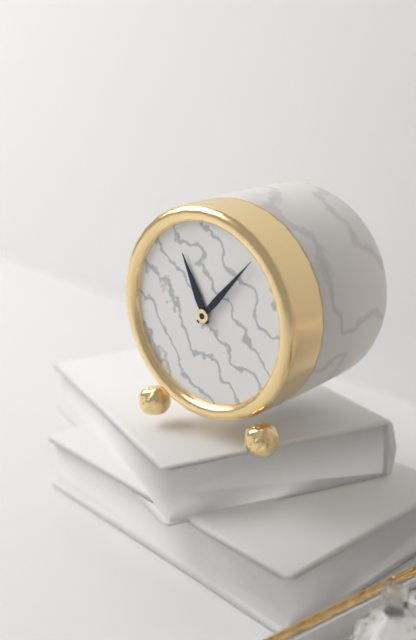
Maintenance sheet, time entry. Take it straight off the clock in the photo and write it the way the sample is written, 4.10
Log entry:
11.07
